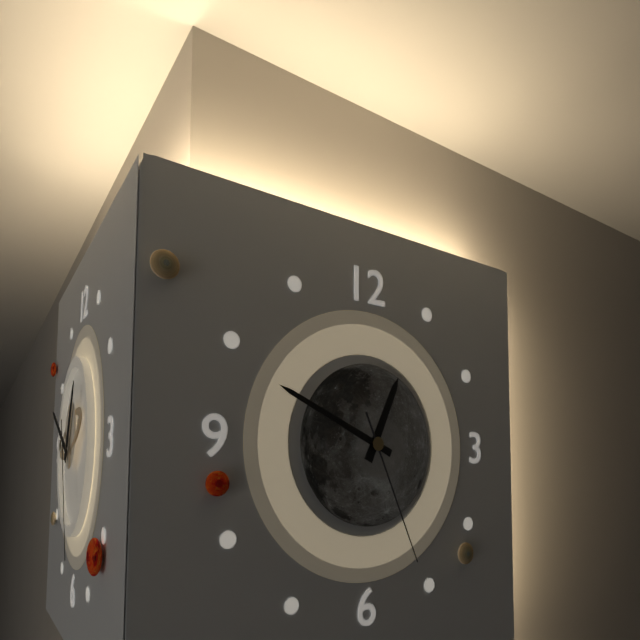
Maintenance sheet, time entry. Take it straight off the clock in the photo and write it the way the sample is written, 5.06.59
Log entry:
12.49.26
